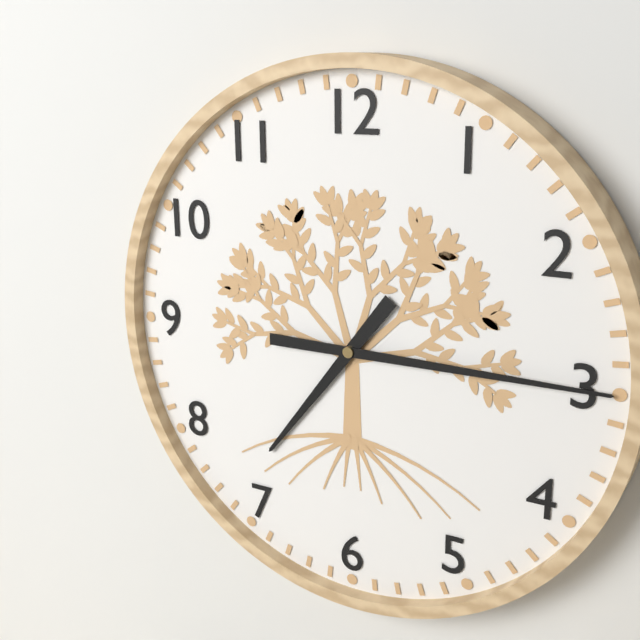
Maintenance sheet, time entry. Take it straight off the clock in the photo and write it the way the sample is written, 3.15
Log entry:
7.15
